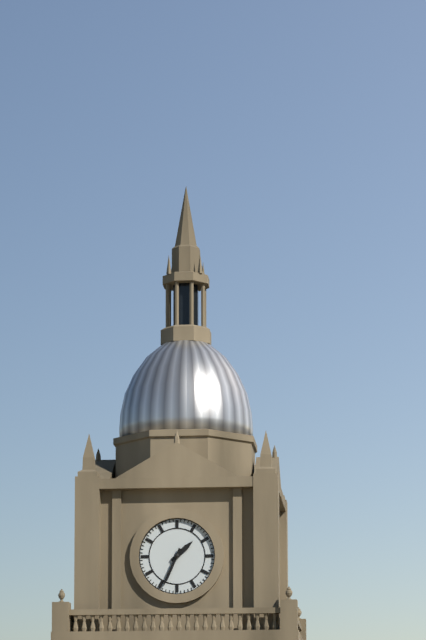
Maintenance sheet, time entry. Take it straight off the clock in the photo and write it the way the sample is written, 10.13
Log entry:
1.34
